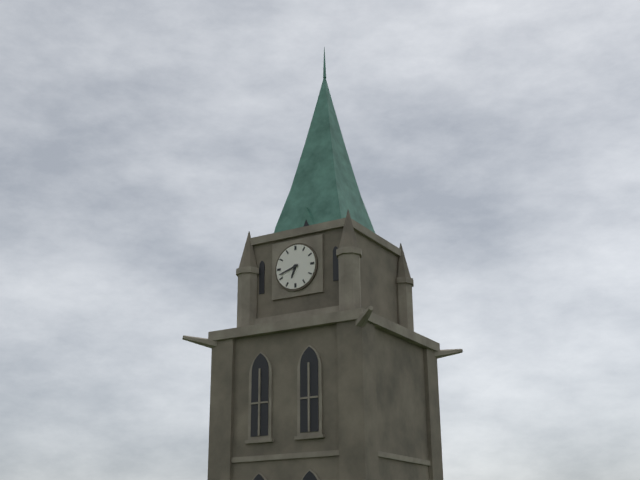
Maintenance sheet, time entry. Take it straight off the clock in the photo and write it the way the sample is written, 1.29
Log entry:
6.42
